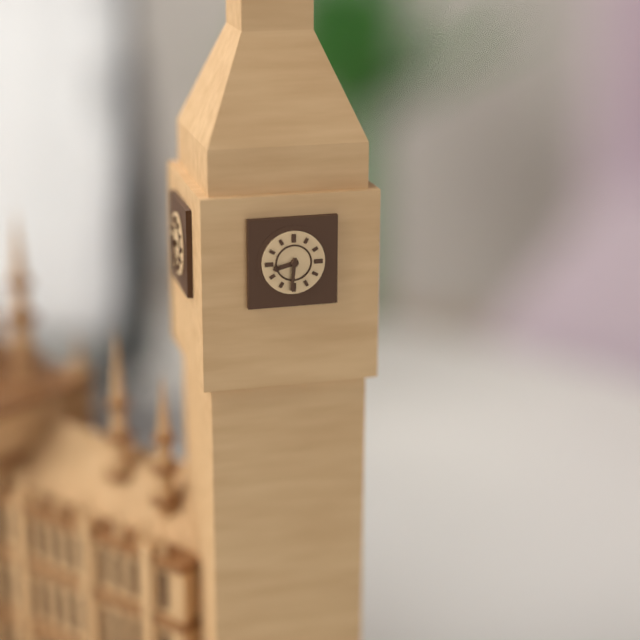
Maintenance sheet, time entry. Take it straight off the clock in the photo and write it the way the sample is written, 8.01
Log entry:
8.31
